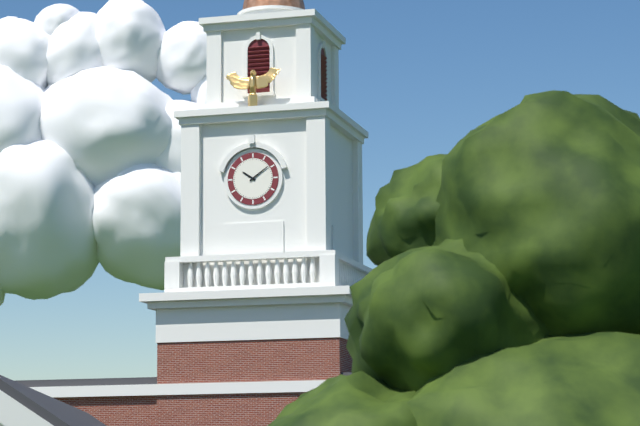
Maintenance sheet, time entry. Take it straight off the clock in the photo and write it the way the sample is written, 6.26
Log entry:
10.09
